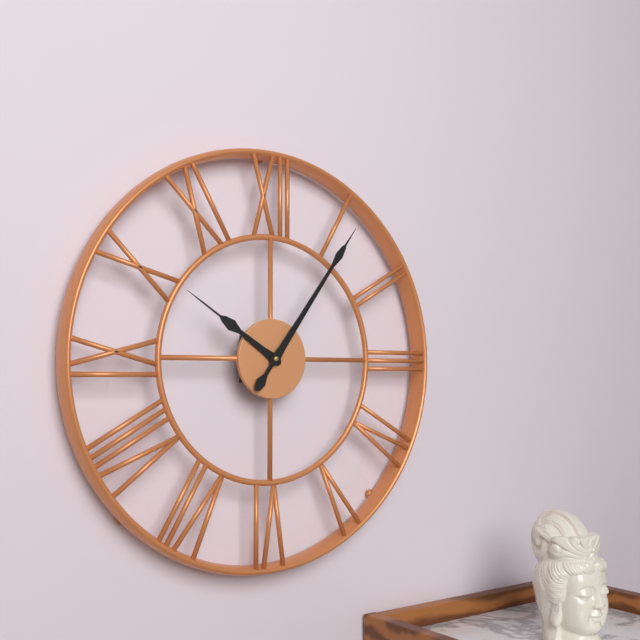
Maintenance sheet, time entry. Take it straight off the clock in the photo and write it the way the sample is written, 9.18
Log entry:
10.06
